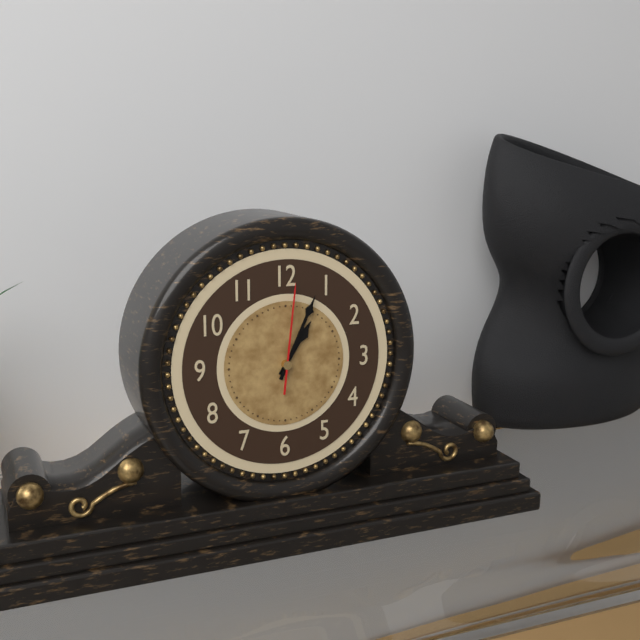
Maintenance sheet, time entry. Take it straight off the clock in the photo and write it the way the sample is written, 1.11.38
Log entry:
1.04.01
